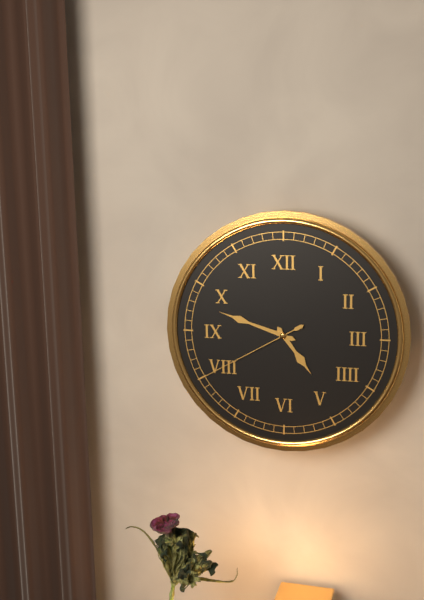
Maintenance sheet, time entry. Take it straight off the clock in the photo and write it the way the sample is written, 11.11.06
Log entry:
4.48.40
